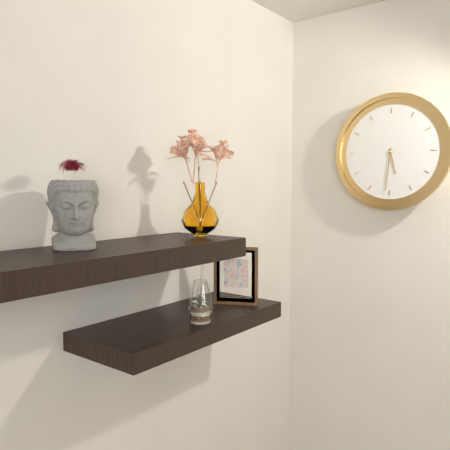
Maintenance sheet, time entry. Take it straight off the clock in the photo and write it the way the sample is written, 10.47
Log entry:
5.31
